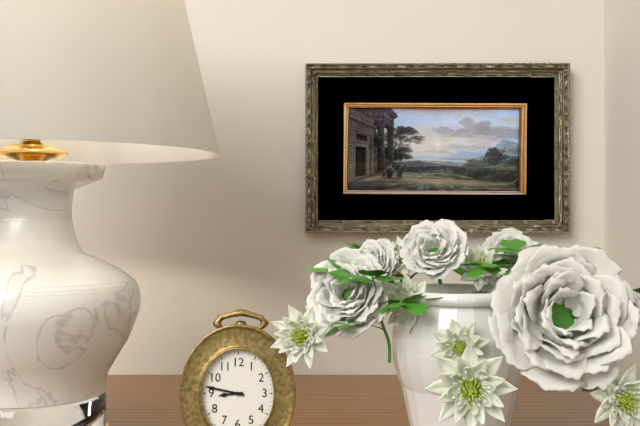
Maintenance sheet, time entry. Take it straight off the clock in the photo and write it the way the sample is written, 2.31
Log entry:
8.47
